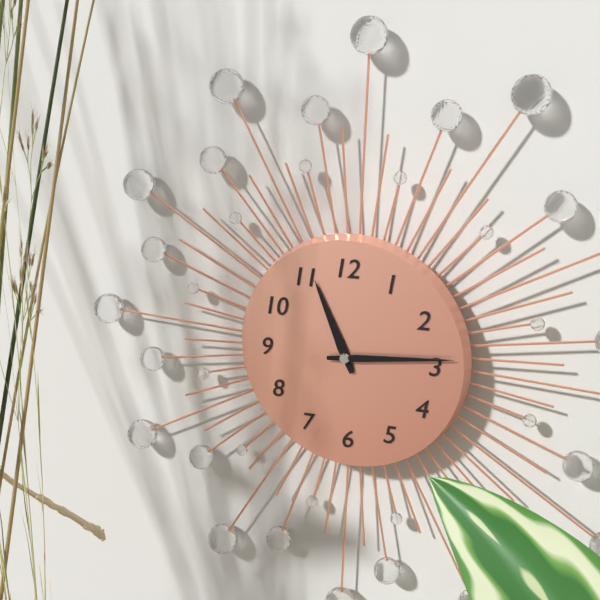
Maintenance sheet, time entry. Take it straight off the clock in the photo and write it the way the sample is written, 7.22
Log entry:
11.14
